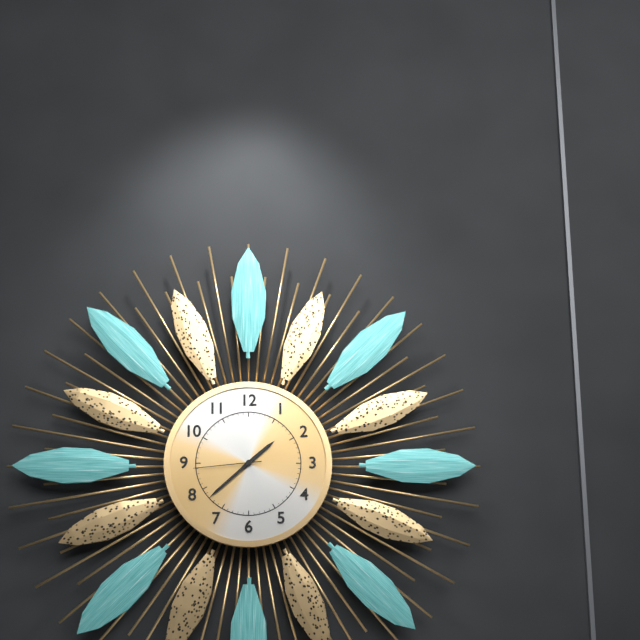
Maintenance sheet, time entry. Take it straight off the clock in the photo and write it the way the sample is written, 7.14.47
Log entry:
1.38.44
